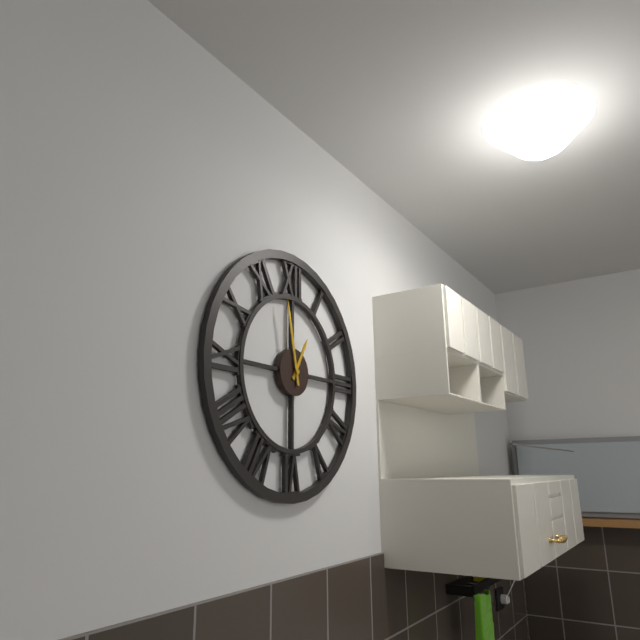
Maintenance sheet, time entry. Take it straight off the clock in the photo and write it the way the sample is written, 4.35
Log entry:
12.58
